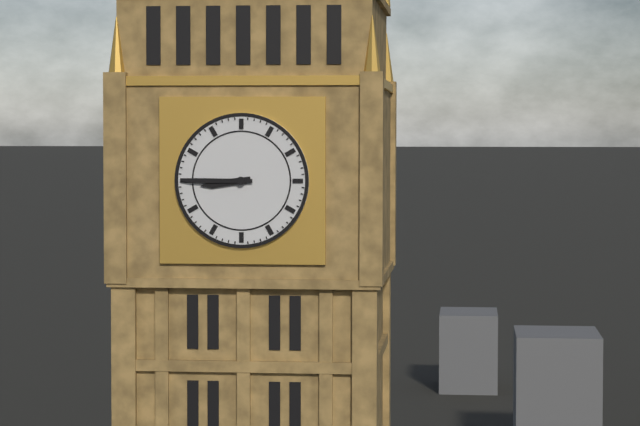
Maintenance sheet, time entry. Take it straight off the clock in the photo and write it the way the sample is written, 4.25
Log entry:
8.45
